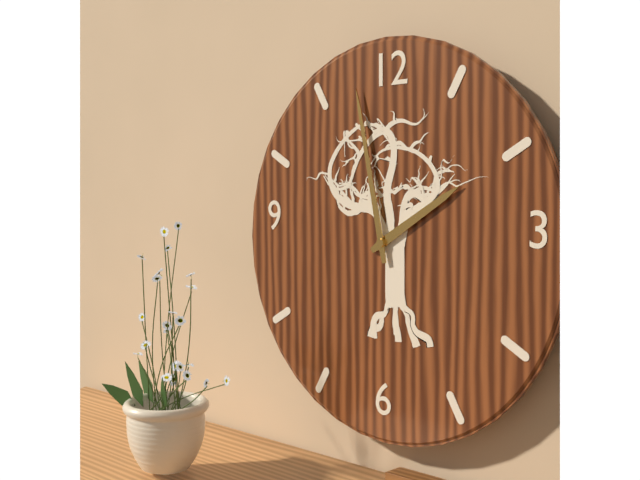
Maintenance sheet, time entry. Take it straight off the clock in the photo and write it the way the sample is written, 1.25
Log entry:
1.58
